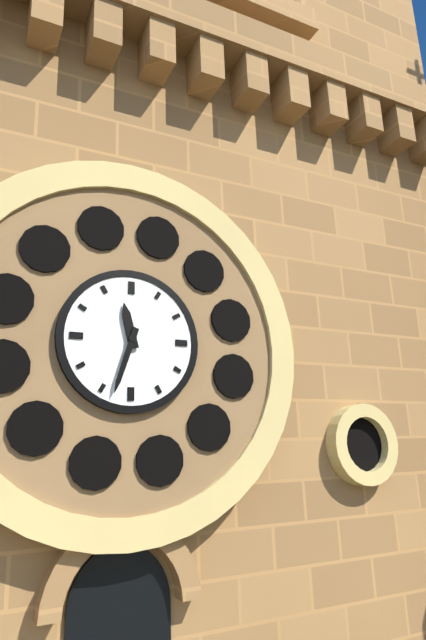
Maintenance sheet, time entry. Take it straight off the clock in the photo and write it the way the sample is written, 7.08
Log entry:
11.33
